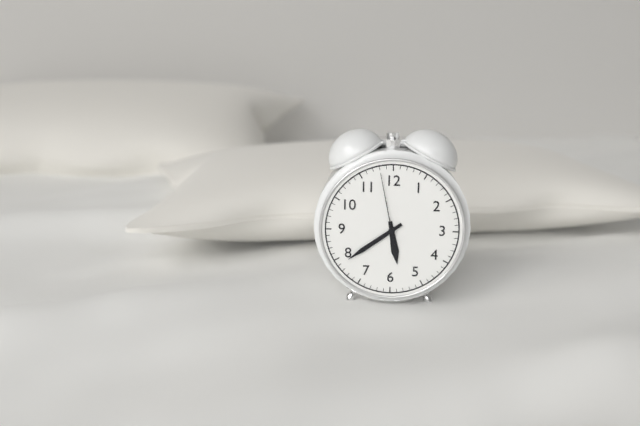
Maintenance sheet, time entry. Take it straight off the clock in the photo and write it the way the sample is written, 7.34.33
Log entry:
5.39.58
